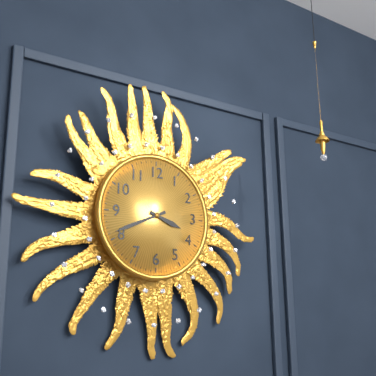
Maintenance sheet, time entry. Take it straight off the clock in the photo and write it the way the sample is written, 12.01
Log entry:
3.41
